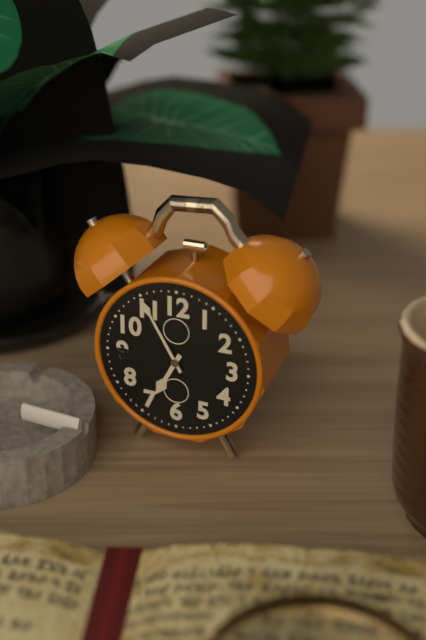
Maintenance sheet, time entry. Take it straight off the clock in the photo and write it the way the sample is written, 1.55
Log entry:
6.55
